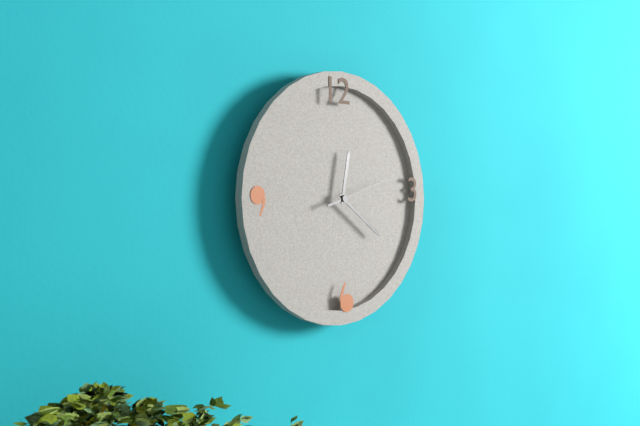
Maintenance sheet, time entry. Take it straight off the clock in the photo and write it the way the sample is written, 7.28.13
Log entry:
12.21.12
